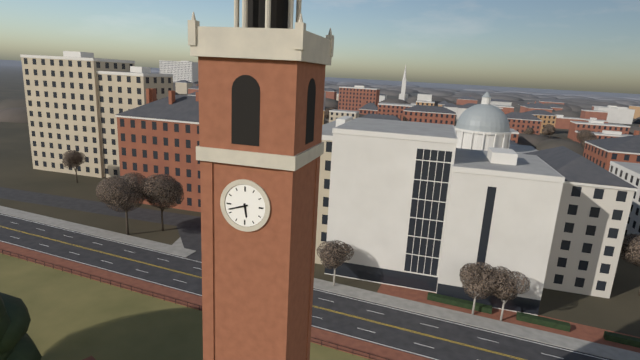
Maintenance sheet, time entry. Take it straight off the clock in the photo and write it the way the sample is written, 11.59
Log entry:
5.42
